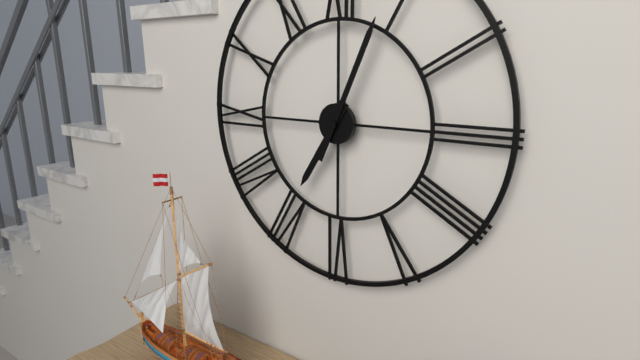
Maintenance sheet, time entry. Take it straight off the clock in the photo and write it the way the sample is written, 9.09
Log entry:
7.04
